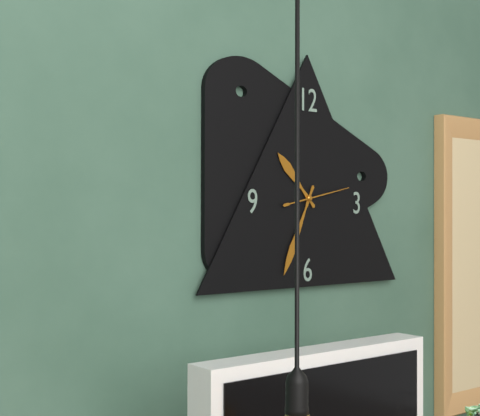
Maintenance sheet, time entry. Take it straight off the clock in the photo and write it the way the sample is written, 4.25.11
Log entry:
10.34.13
